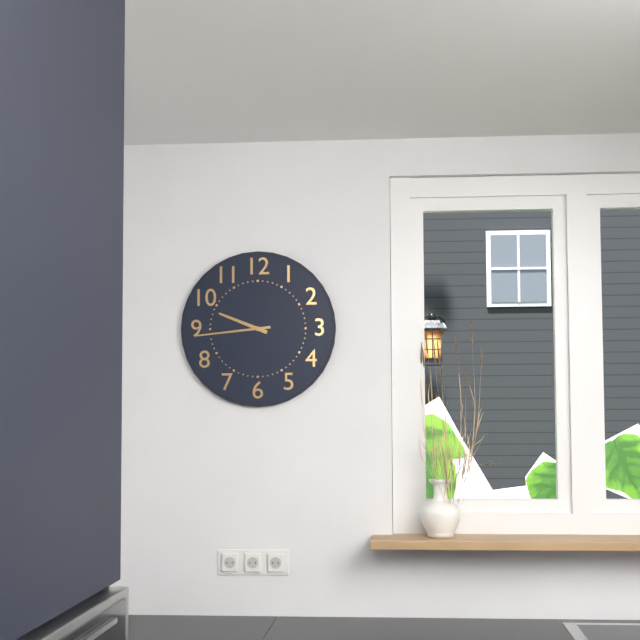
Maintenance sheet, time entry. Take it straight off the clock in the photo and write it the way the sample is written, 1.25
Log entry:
9.44
